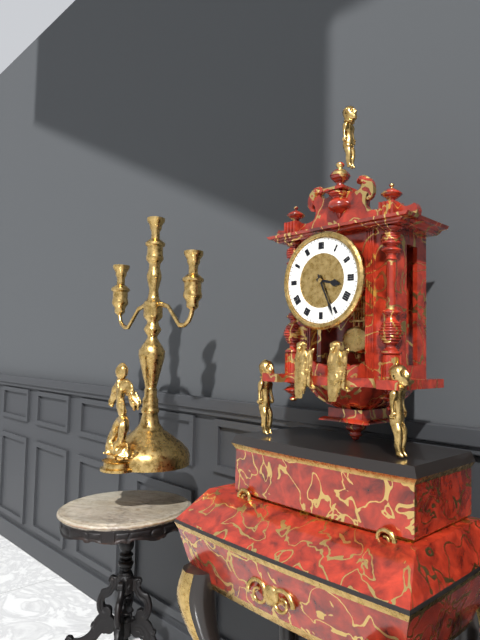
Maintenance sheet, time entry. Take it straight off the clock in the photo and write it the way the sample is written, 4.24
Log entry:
3.26
